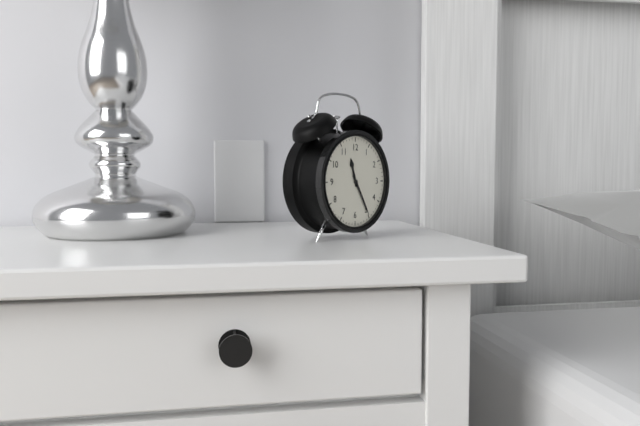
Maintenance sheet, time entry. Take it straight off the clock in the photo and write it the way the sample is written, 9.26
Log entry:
11.25
